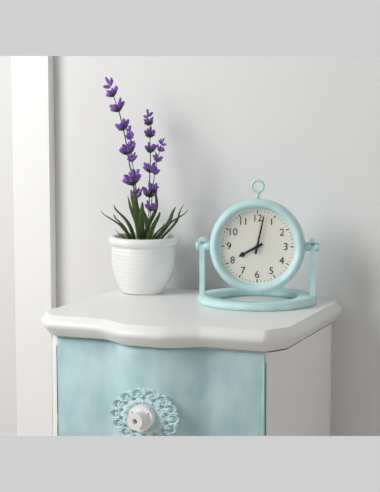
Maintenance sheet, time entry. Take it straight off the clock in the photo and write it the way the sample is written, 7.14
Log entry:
8.02
